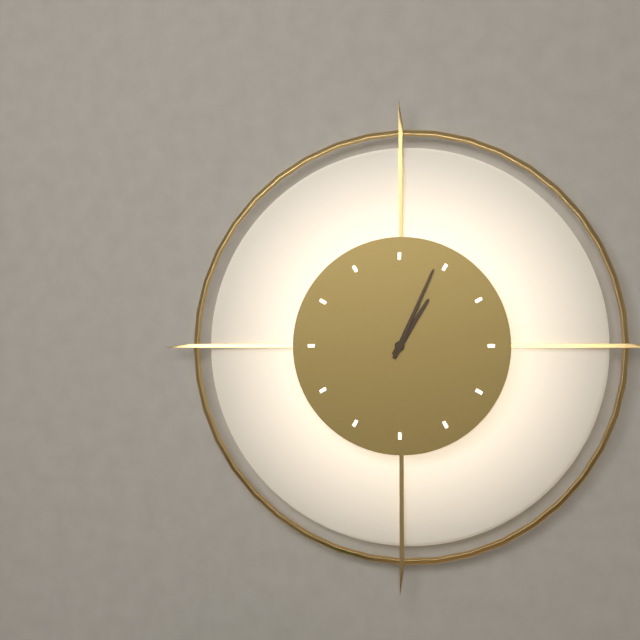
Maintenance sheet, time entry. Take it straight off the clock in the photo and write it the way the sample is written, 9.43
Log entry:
1.04
